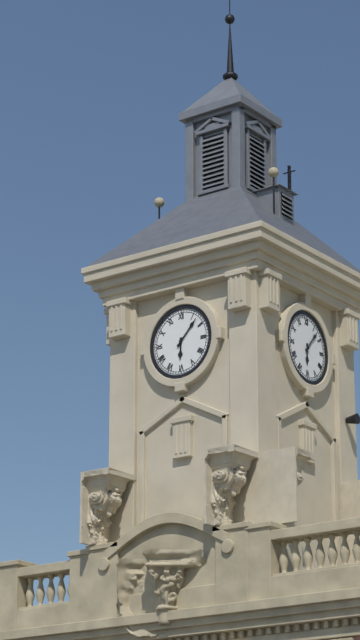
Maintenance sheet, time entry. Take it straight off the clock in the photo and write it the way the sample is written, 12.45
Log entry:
6.07
